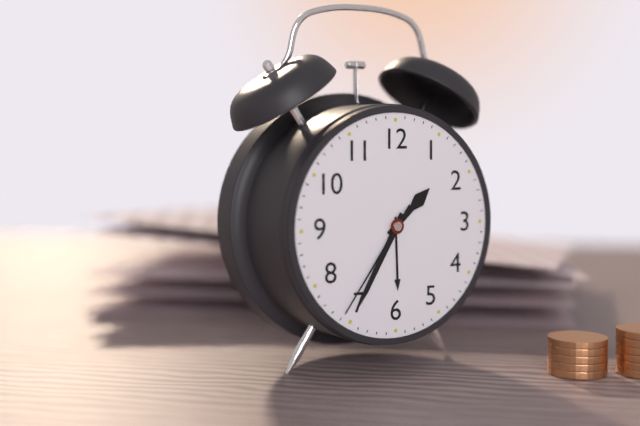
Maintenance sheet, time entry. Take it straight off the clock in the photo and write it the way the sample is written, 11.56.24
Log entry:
1.35.36
